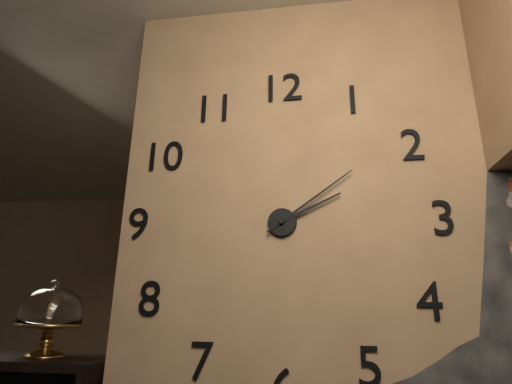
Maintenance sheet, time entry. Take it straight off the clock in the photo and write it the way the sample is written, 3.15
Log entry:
2.09
